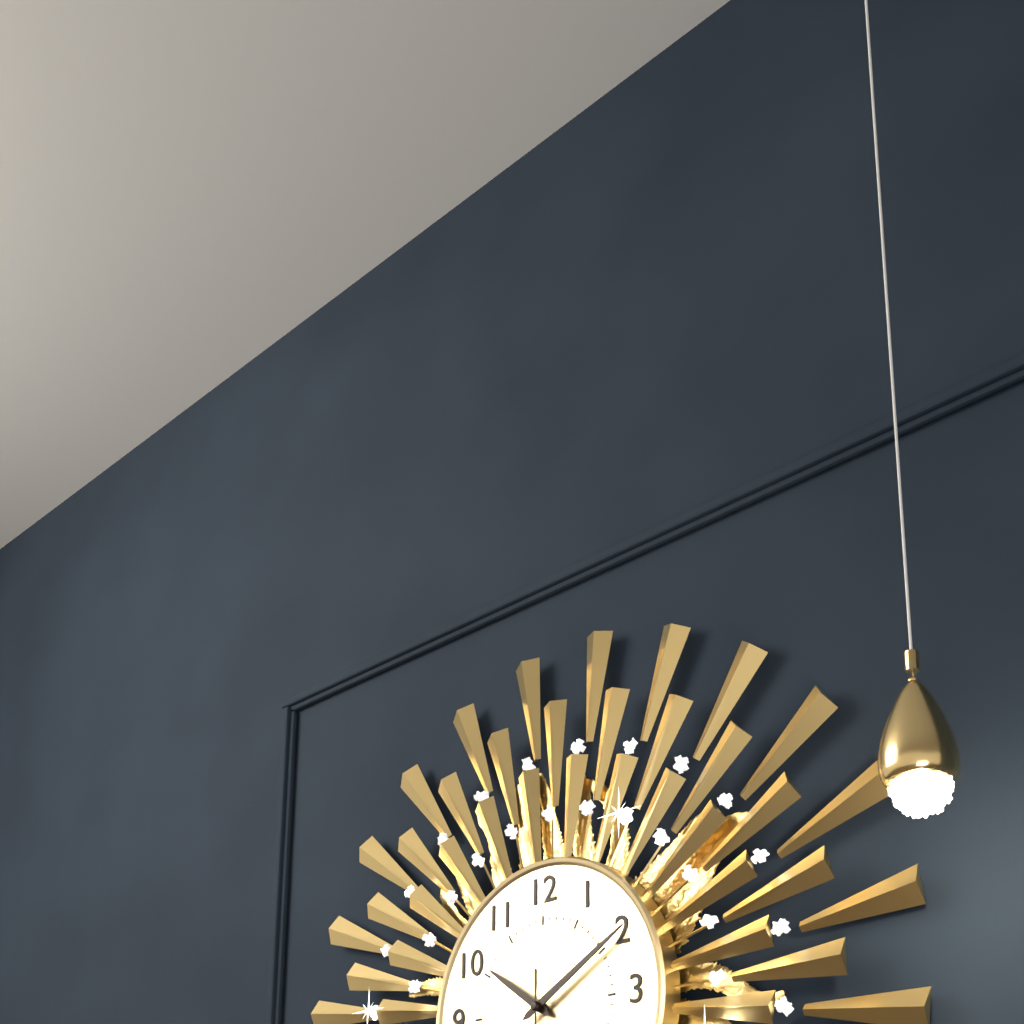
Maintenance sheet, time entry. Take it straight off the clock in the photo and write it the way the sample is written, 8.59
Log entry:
10.10
